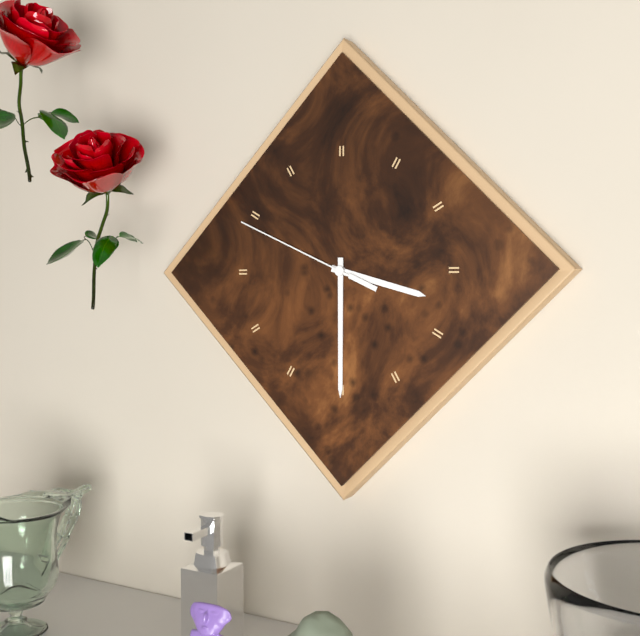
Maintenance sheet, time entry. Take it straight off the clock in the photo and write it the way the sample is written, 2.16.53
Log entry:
3.30.49
